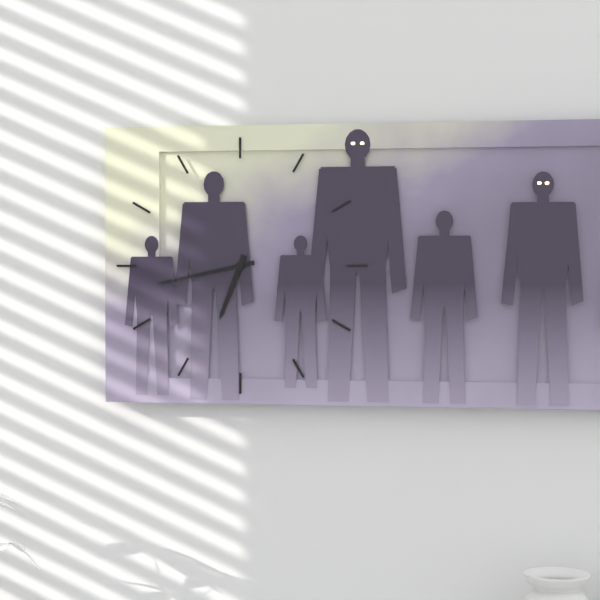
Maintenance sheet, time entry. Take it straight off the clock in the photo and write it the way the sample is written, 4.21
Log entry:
6.43
